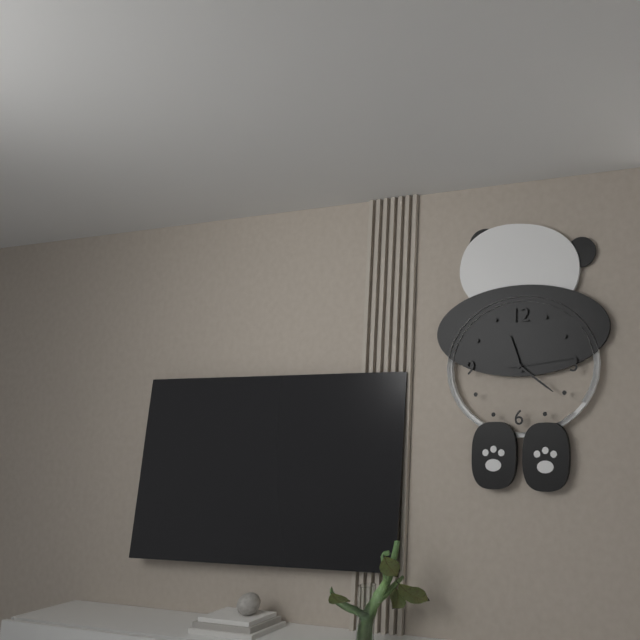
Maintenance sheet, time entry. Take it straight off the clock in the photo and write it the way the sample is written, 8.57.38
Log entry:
11.21.14
